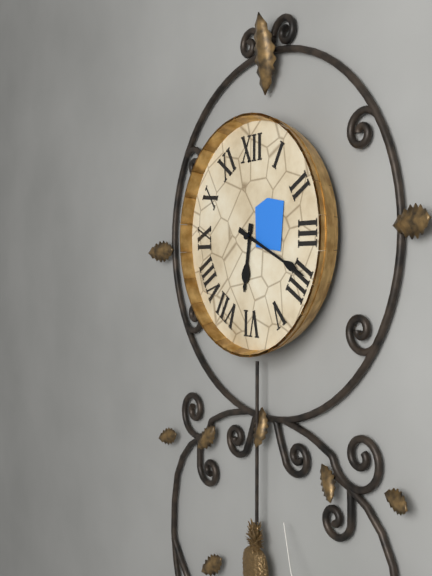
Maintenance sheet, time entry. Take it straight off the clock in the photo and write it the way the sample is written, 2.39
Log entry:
6.19
